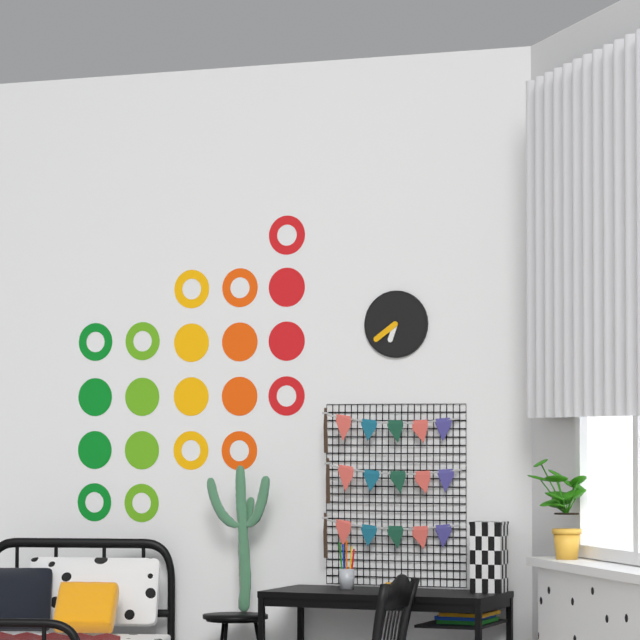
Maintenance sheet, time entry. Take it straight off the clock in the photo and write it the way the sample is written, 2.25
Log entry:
6.39
